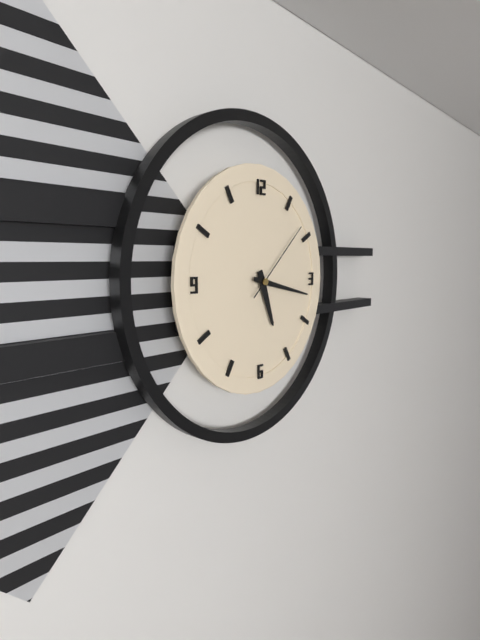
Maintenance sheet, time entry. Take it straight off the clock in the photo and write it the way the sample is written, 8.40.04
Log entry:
5.17.08
